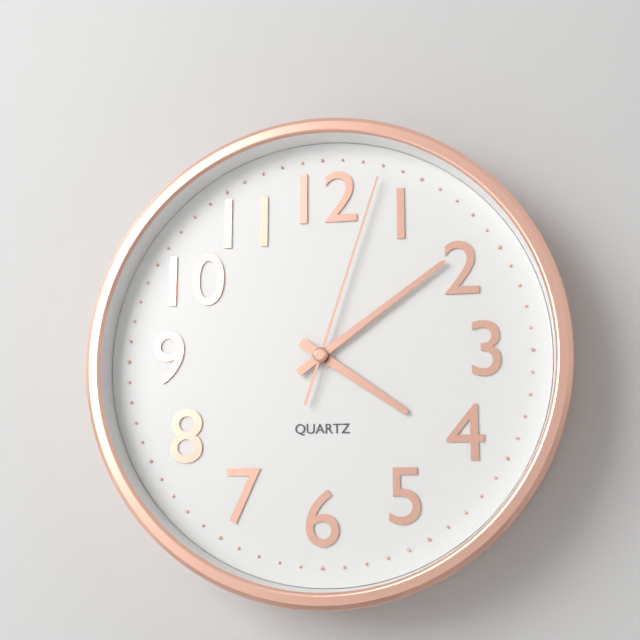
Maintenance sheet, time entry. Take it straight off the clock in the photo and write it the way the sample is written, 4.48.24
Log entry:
4.09.03
